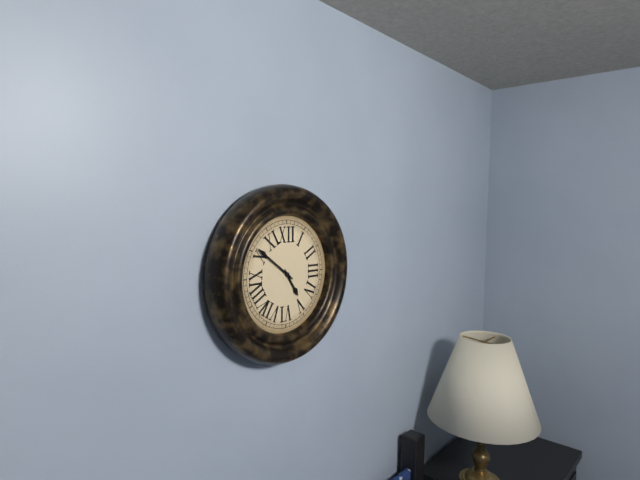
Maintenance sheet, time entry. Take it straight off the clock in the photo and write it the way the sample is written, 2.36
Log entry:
4.51
